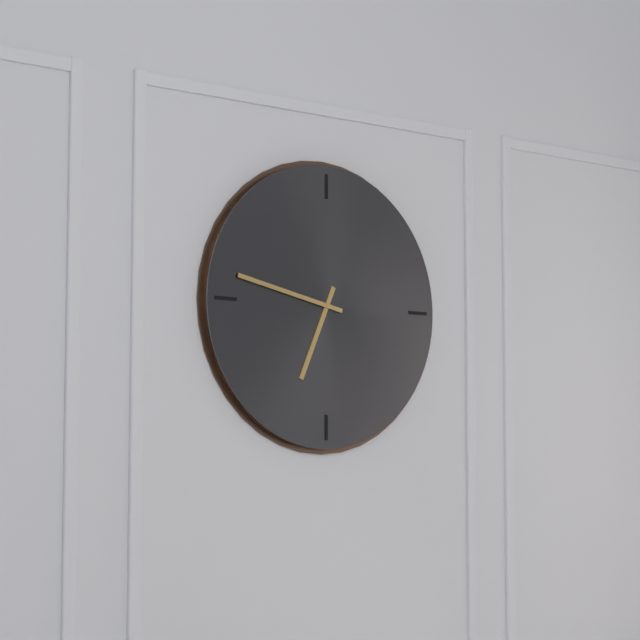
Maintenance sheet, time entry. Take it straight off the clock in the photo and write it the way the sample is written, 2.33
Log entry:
6.47
